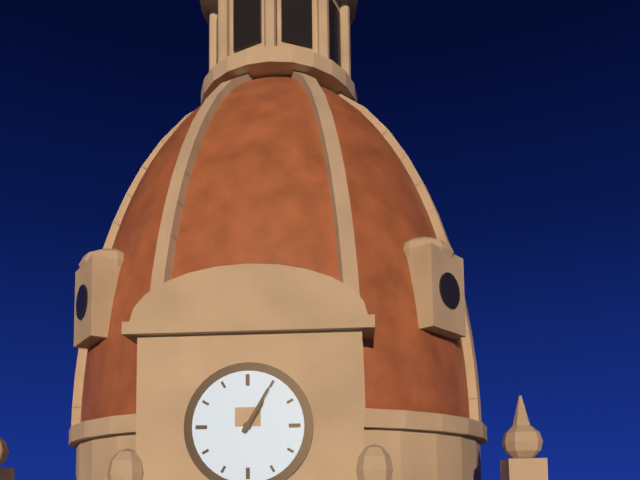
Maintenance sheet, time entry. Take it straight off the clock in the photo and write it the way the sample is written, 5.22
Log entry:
1.05
